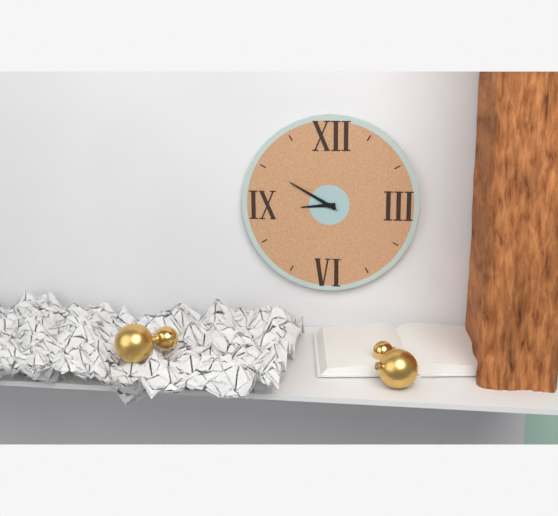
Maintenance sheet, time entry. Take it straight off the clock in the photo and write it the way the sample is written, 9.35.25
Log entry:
8.50.50
